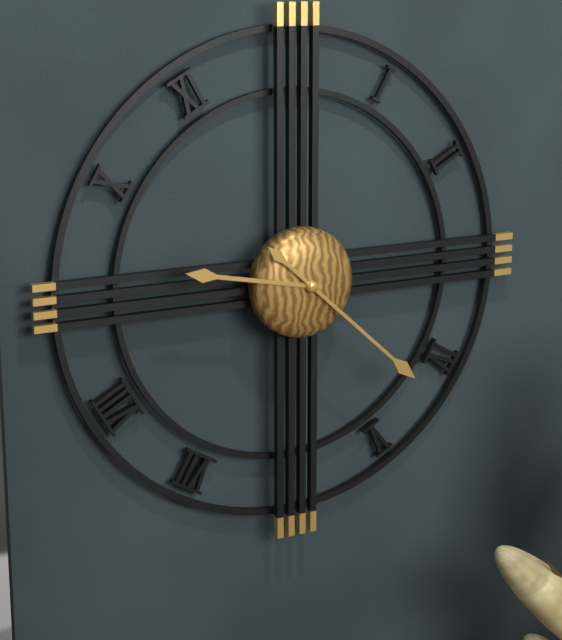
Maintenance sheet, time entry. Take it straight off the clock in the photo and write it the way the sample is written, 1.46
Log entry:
9.22
